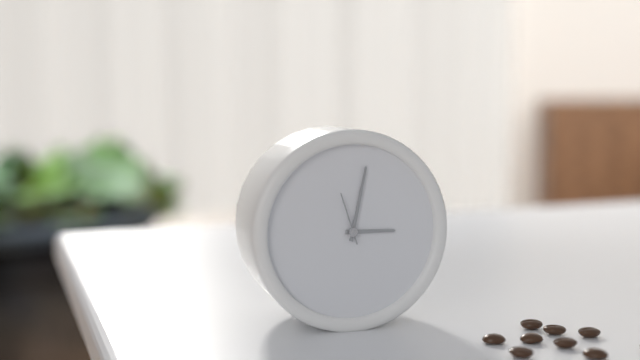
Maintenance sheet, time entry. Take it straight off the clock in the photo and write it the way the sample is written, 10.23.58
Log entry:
3.02.57
